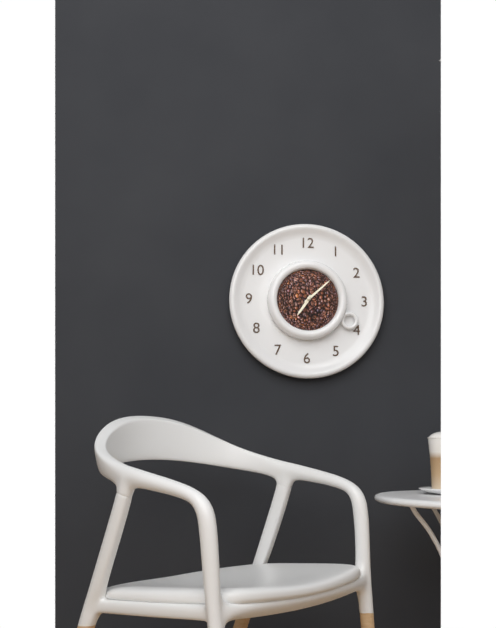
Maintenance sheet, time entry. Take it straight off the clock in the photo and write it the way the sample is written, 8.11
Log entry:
7.08
